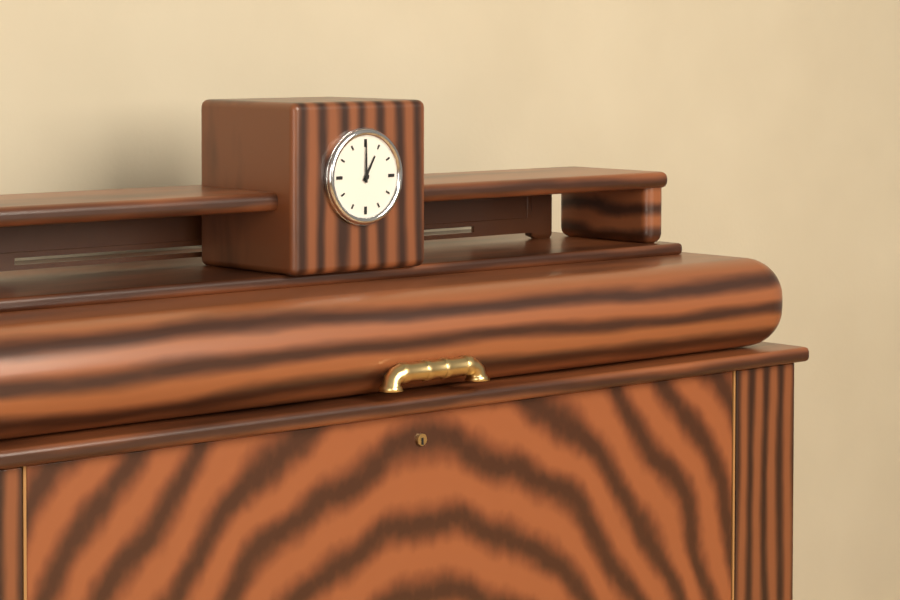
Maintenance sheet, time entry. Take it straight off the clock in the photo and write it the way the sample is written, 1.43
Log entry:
1.00
